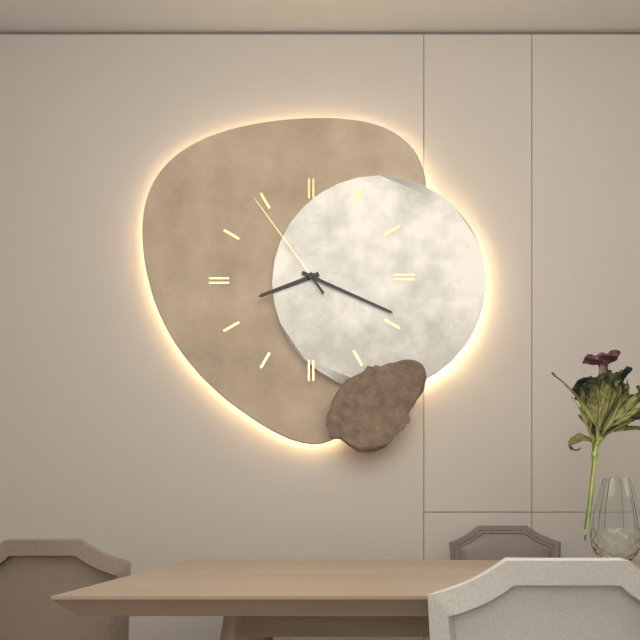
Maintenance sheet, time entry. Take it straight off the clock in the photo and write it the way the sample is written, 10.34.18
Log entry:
8.19.54
